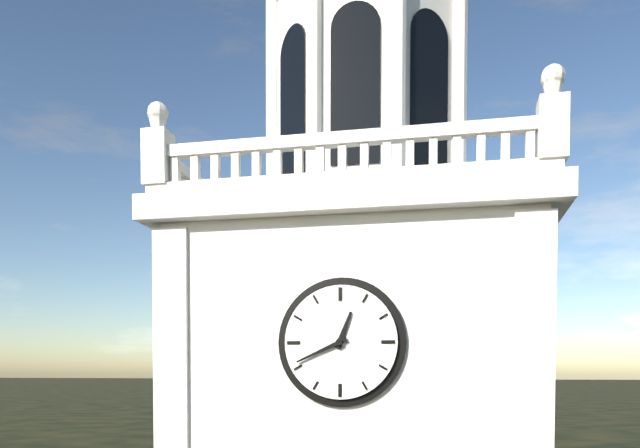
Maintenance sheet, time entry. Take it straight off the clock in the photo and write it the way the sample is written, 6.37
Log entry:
12.41
